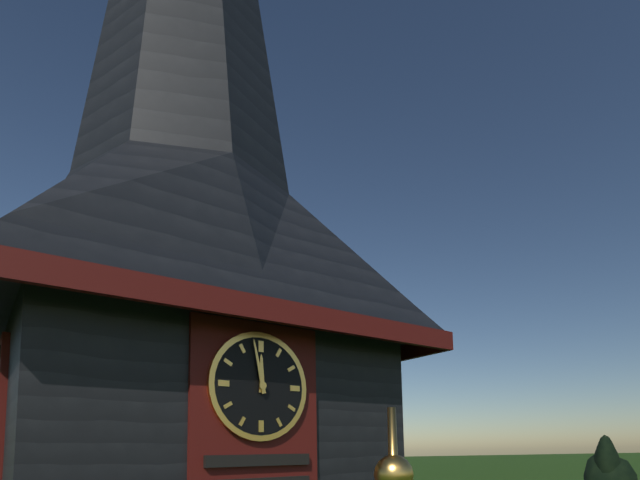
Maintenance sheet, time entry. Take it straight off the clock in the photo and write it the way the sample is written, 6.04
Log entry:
11.58
